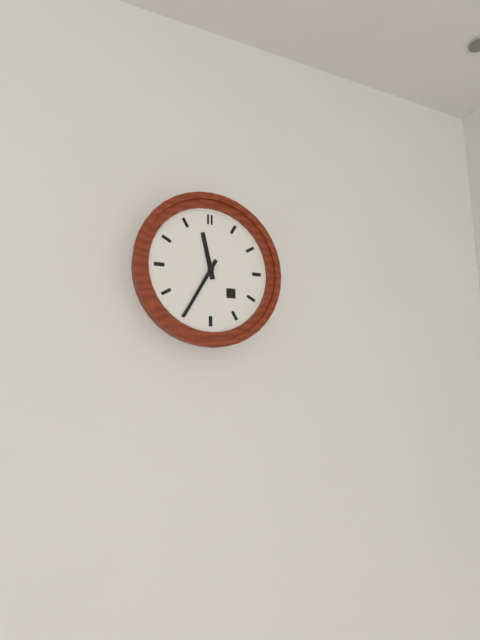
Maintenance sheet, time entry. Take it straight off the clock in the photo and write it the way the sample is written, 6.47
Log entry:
11.35
